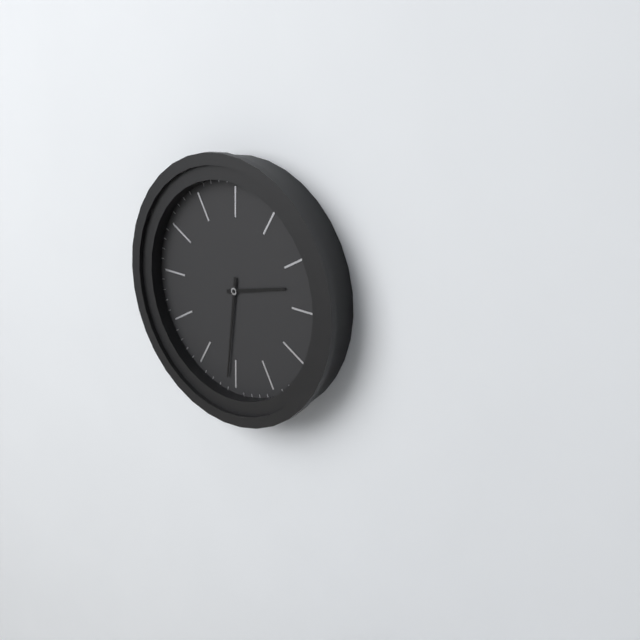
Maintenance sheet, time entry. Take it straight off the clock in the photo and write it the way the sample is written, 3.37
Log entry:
2.31
